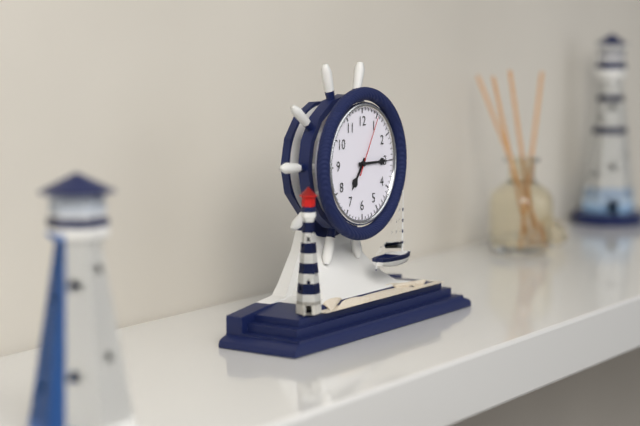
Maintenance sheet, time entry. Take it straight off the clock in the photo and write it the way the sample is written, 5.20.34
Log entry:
7.15.05
